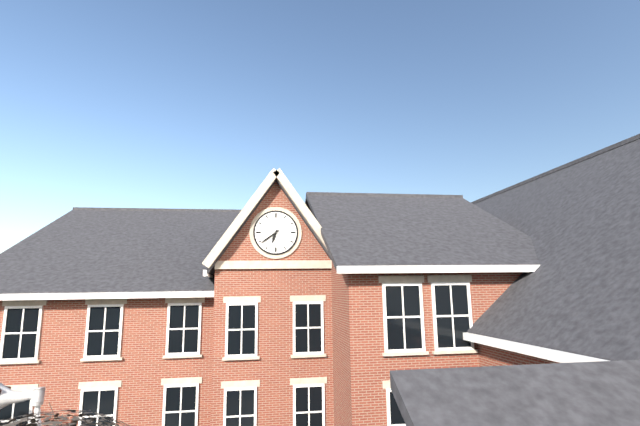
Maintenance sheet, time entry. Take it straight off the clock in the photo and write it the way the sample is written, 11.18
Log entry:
6.39
